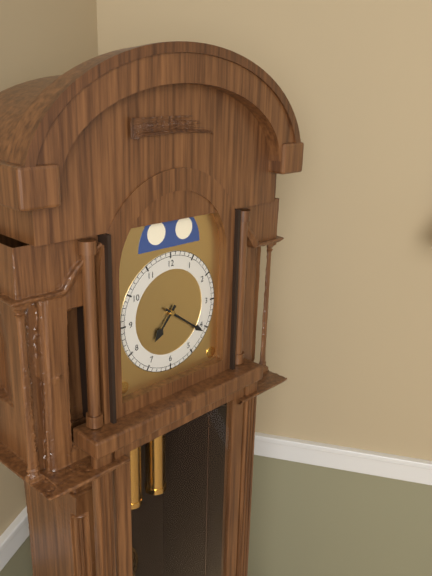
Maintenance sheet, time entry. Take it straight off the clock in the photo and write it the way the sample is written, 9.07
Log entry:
7.21
